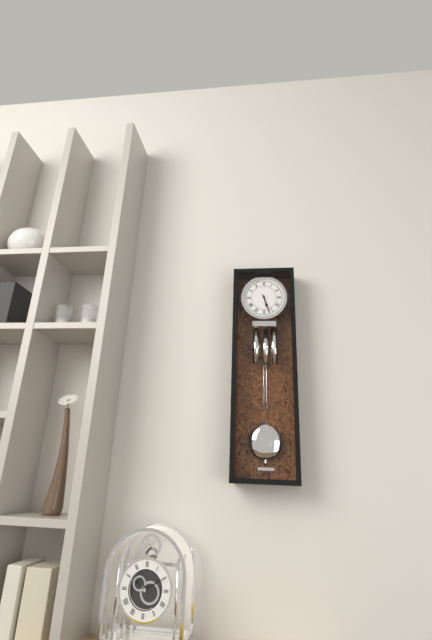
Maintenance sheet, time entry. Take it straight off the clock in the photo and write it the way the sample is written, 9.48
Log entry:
5.27
